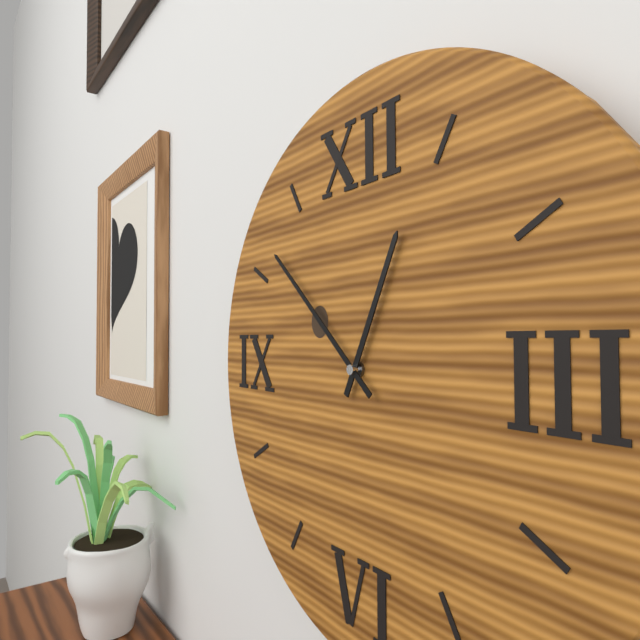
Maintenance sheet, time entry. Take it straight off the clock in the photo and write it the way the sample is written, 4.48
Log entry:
12.52
